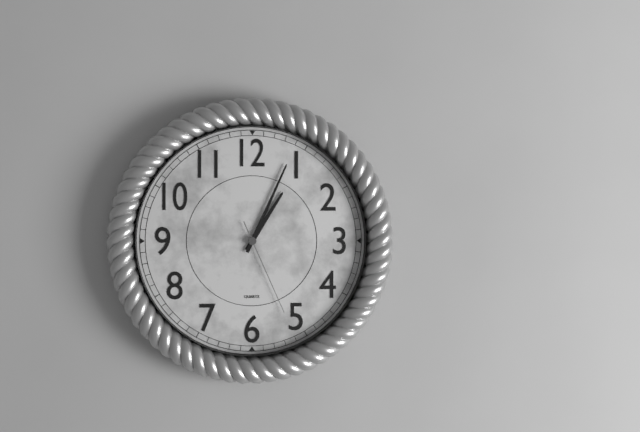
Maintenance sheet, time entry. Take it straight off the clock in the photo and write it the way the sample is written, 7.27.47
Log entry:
1.04.26
